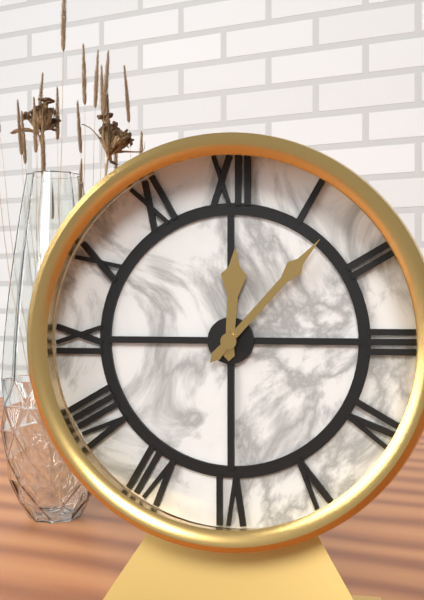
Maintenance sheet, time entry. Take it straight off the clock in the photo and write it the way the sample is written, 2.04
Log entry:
12.07
